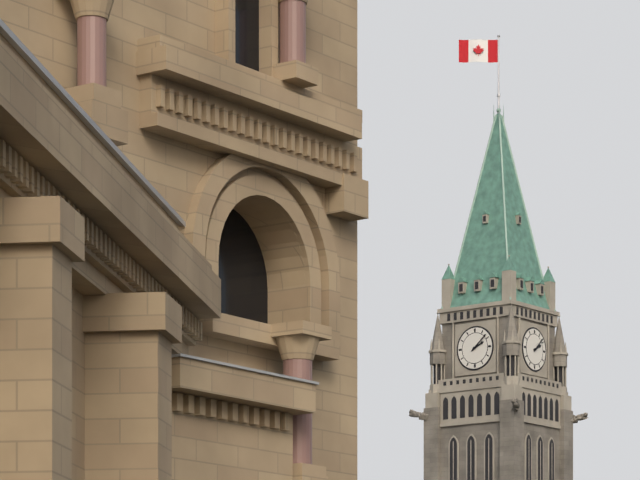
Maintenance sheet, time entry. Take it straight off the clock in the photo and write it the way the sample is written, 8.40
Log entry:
2.08
